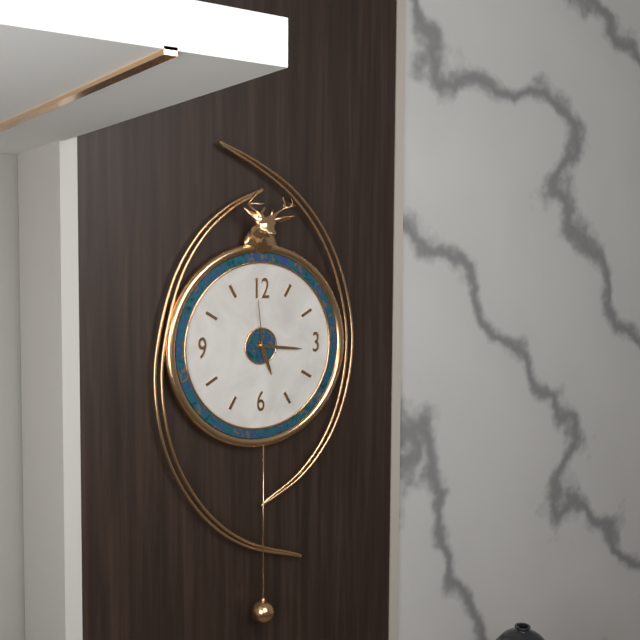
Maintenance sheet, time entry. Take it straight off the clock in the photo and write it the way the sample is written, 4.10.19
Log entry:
5.16.59
